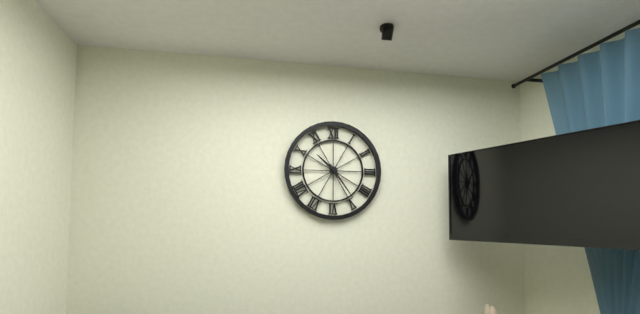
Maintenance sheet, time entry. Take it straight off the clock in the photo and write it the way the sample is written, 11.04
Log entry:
10.24
